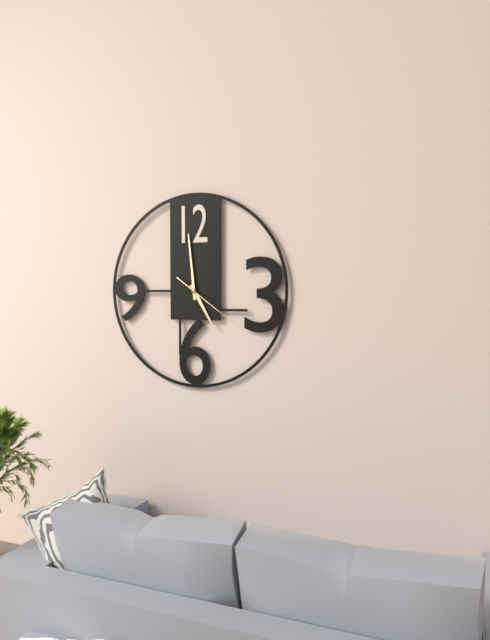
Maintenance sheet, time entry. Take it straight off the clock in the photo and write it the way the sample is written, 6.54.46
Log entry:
4.59.21
